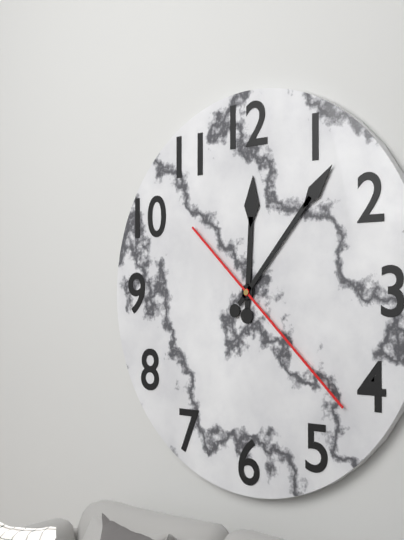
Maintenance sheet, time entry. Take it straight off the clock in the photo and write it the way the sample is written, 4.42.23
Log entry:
12.07.22
